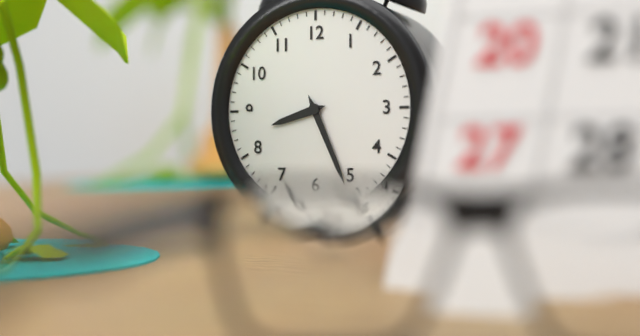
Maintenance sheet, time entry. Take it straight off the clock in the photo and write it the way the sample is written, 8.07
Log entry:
8.26
